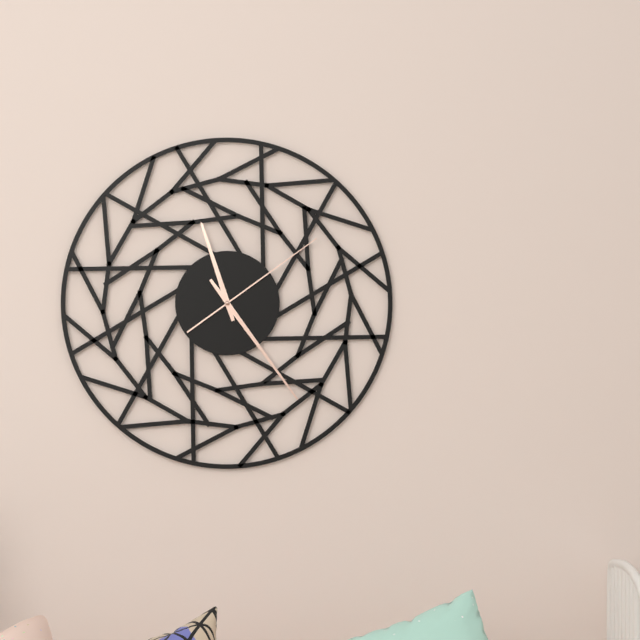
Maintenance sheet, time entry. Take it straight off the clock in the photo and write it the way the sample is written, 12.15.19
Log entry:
11.24.09
